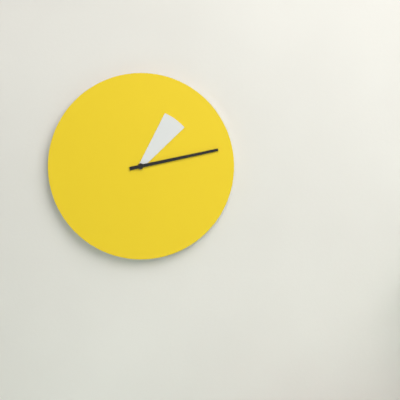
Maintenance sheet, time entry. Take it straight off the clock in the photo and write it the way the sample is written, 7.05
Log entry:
1.13
